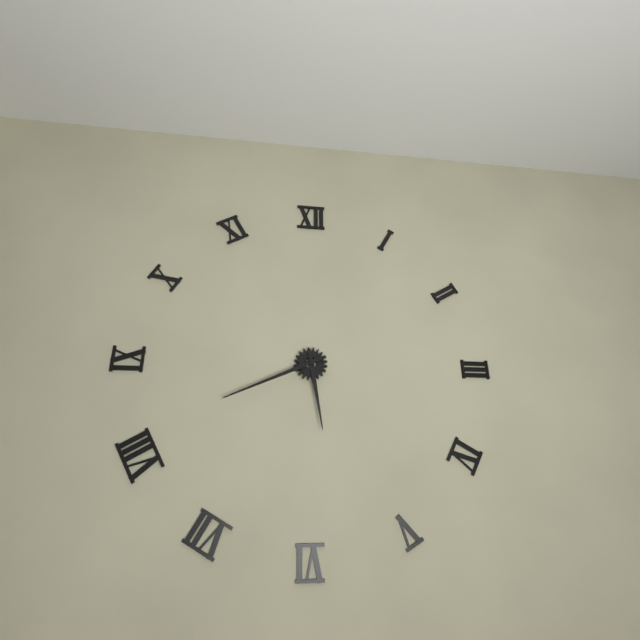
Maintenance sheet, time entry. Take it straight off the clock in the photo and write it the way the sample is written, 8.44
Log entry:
5.41
